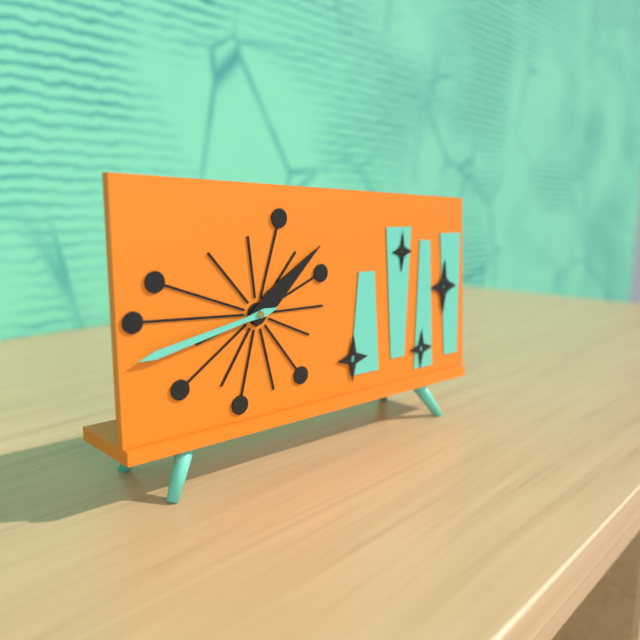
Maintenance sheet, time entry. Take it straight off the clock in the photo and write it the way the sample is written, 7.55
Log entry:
1.43
